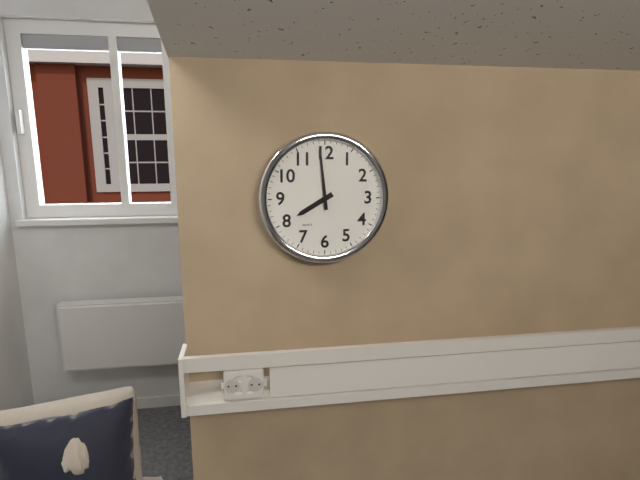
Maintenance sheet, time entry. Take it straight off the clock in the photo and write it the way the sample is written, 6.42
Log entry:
7.59
